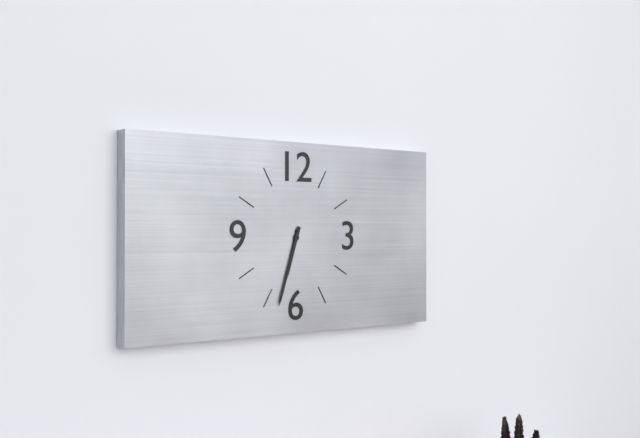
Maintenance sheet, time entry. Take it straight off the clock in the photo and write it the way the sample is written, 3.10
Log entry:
6.33
